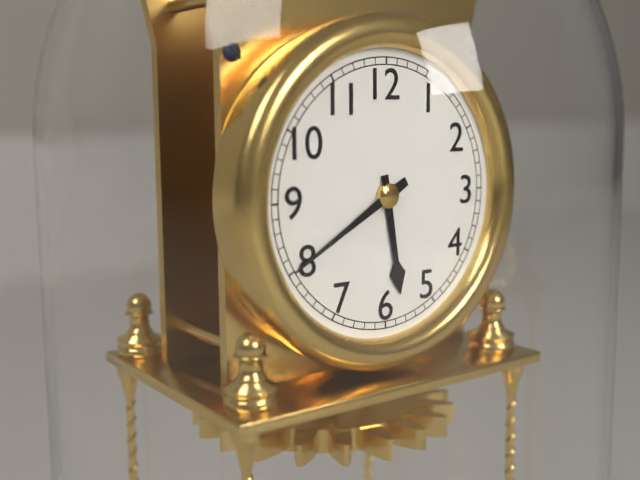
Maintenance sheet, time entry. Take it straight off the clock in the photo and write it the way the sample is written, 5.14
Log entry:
5.40
